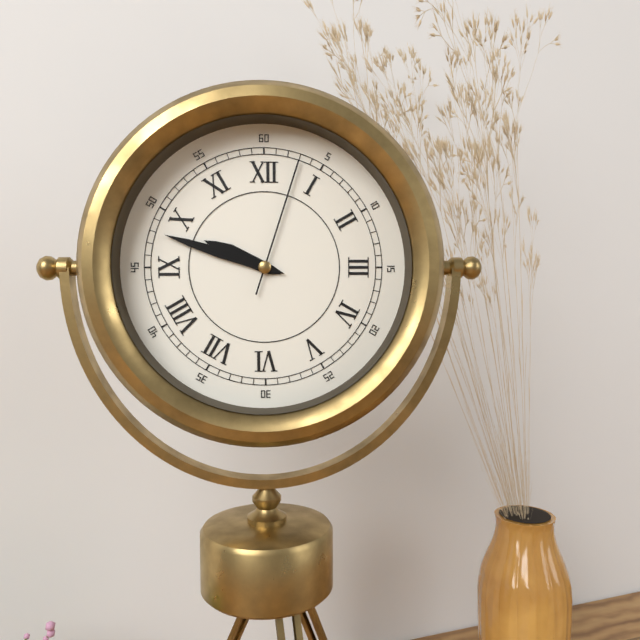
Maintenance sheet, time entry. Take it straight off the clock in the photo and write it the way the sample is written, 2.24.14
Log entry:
9.48.03
